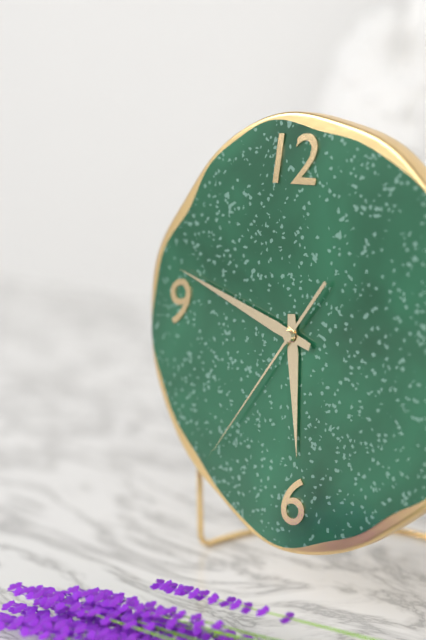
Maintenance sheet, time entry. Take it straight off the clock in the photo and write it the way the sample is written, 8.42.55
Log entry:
5.48.36
